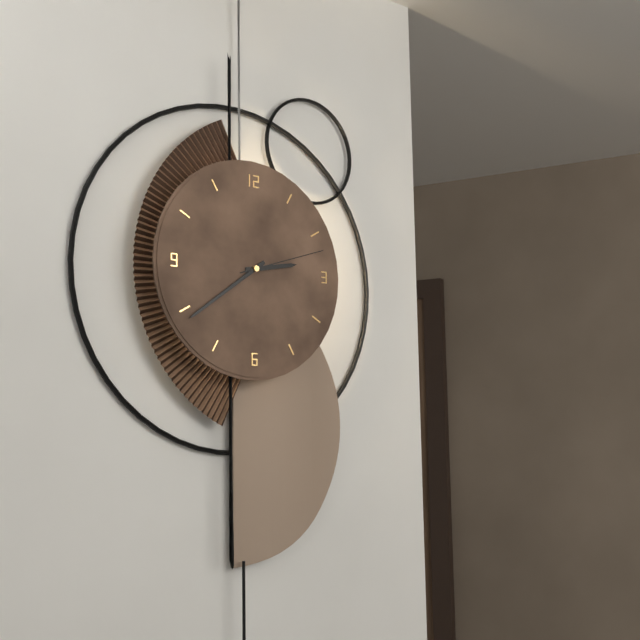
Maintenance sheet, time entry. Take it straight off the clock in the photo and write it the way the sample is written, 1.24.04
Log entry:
2.39.12
